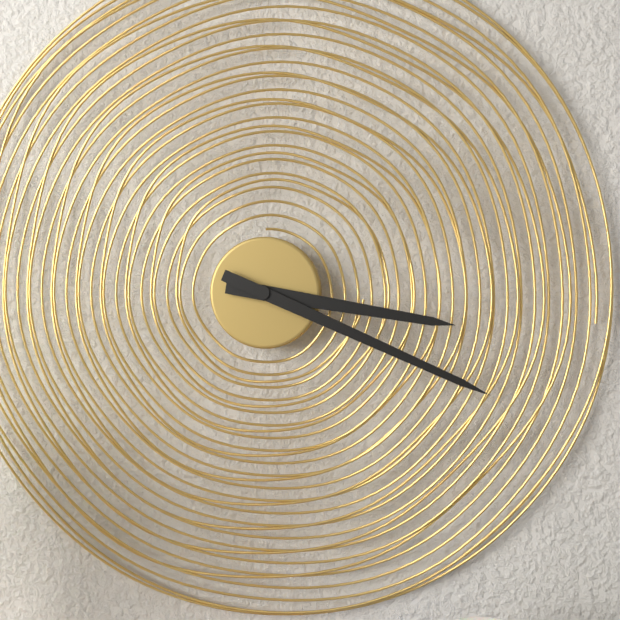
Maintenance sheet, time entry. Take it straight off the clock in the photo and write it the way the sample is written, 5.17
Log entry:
3.19
